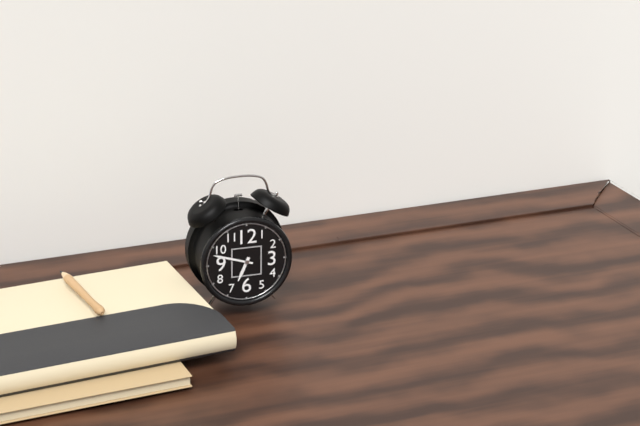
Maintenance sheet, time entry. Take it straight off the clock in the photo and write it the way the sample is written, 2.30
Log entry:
6.48
